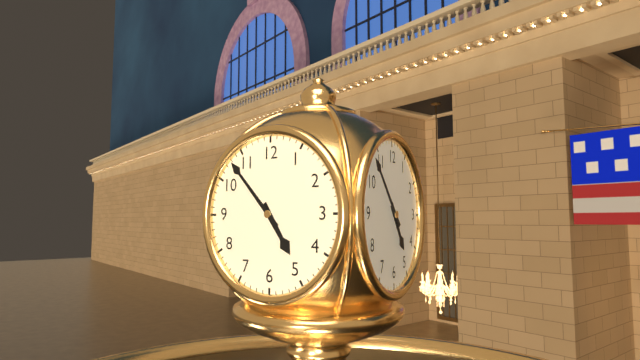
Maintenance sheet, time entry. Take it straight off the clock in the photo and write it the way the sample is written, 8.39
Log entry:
4.53
